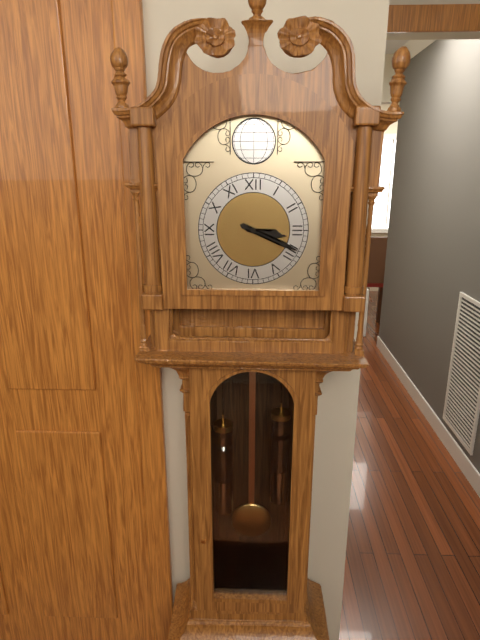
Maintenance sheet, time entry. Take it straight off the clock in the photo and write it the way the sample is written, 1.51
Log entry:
3.19
